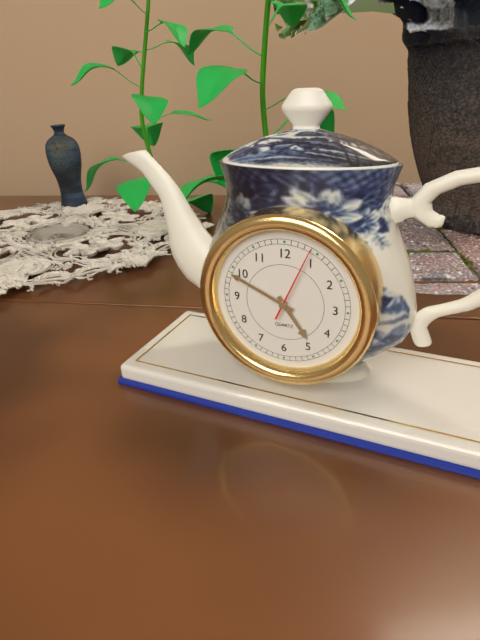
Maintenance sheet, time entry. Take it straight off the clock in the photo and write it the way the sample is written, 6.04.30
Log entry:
4.49.04
